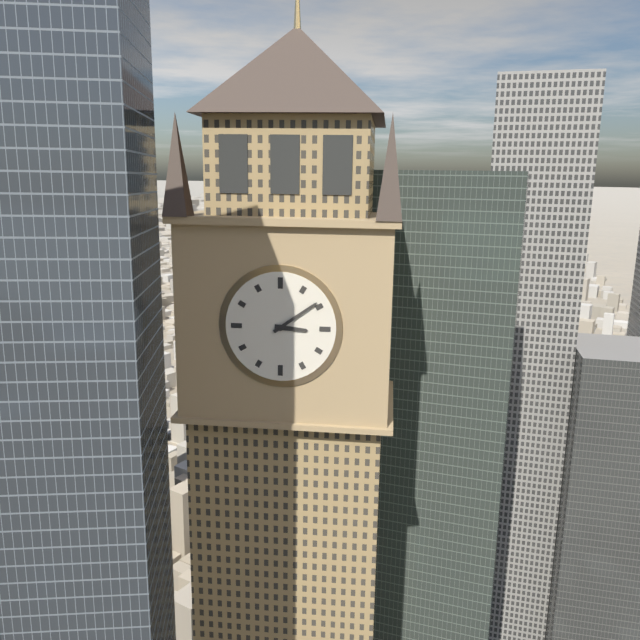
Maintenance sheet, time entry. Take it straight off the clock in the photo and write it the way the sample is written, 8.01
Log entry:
3.09
